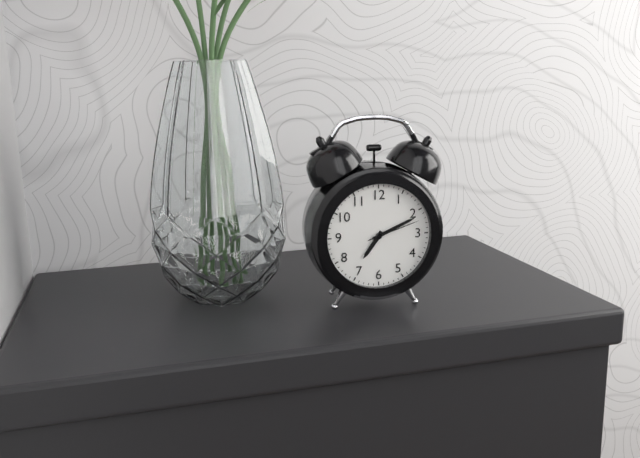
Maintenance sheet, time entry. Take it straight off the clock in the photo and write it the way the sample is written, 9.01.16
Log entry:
7.11.12
